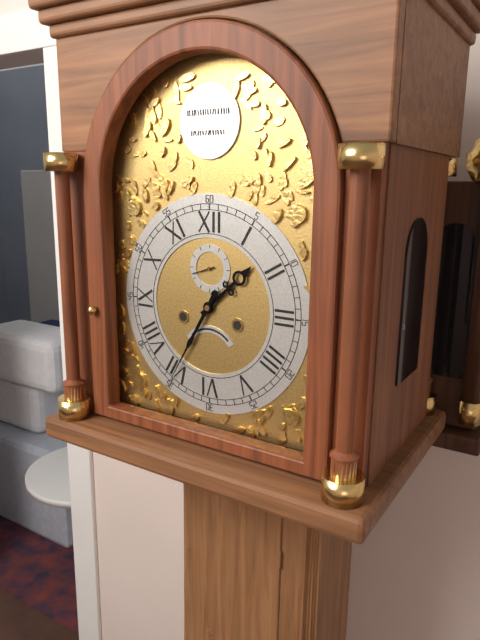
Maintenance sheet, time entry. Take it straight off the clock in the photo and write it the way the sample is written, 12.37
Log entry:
1.35
